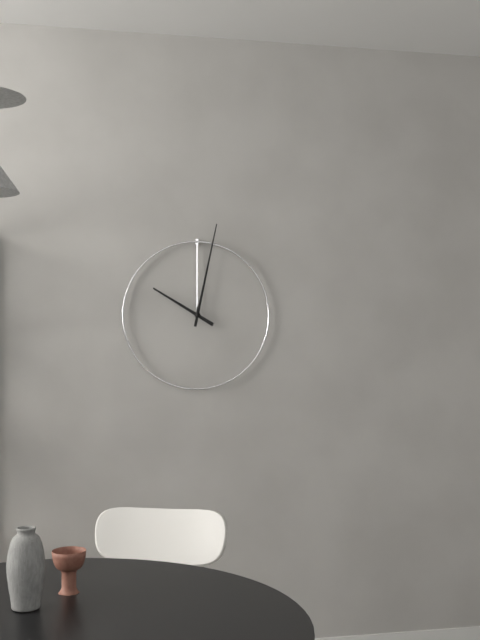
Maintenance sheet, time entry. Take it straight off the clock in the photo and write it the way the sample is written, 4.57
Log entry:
10.02
